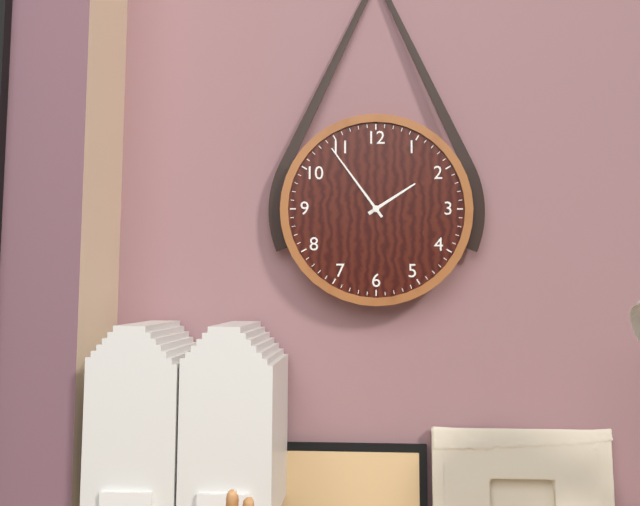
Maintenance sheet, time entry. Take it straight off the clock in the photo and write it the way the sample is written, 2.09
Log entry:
1.54
